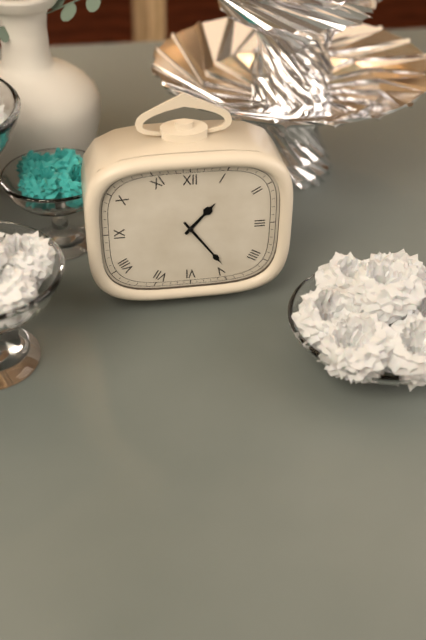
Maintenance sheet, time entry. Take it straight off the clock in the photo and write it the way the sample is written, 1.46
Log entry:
1.24
